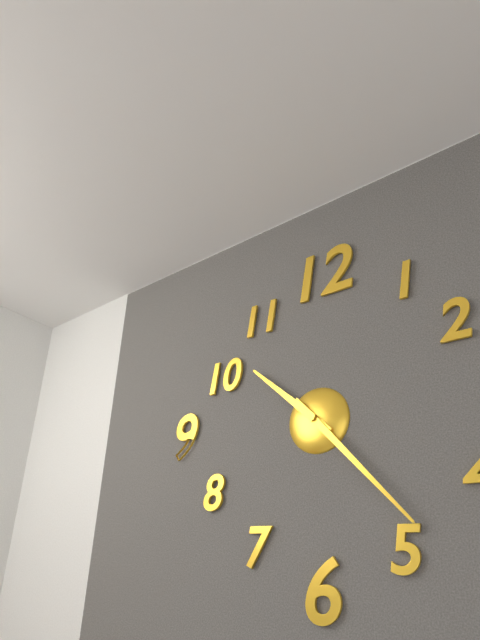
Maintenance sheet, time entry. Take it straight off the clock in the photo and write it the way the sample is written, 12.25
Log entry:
10.23
